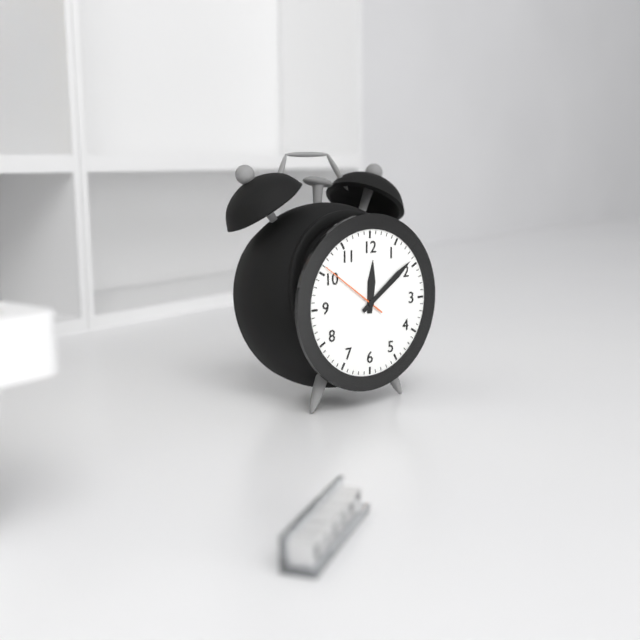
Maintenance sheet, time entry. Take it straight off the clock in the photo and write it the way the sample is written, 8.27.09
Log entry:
12.09.51
